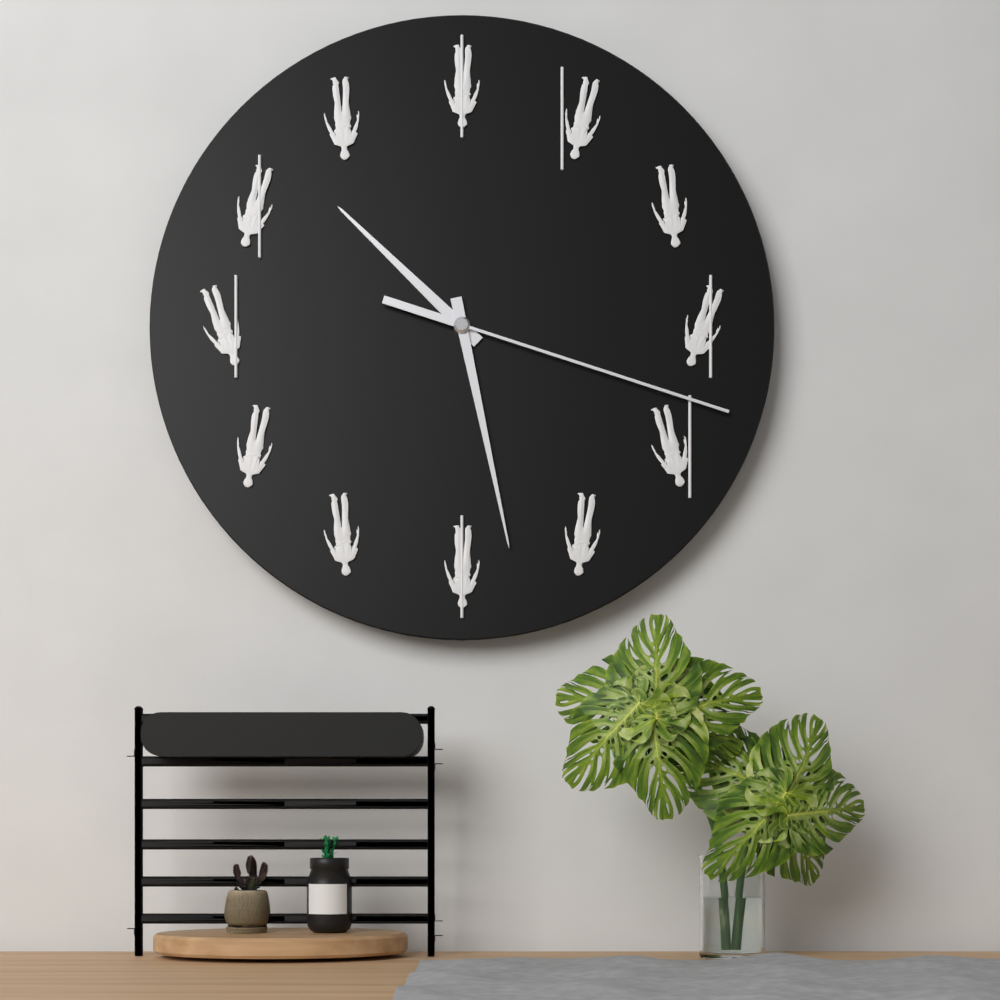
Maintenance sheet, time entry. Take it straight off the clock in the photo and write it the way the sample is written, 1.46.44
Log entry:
10.28.18
